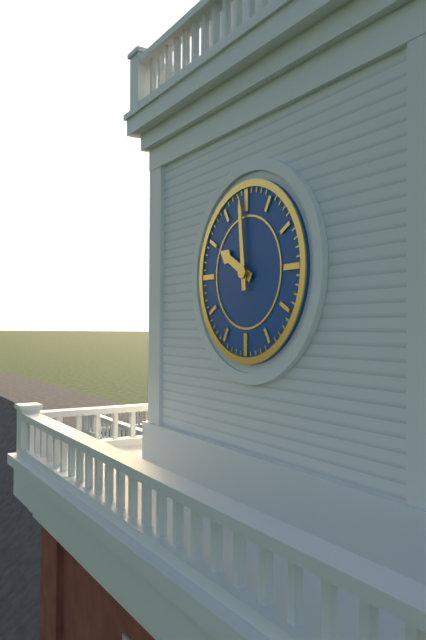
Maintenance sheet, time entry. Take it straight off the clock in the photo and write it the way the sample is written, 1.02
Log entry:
9.59
